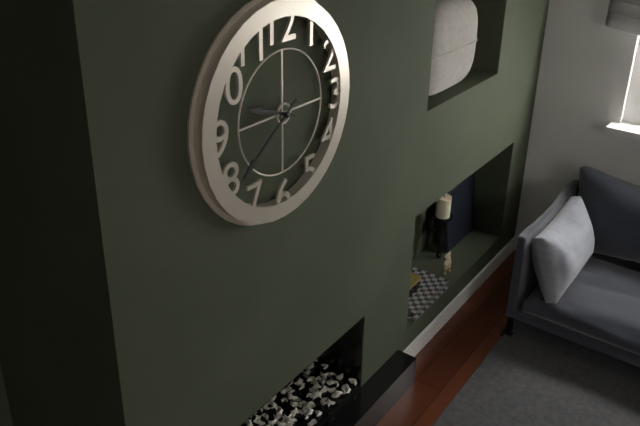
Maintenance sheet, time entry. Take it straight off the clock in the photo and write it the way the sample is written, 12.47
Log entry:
9.39
